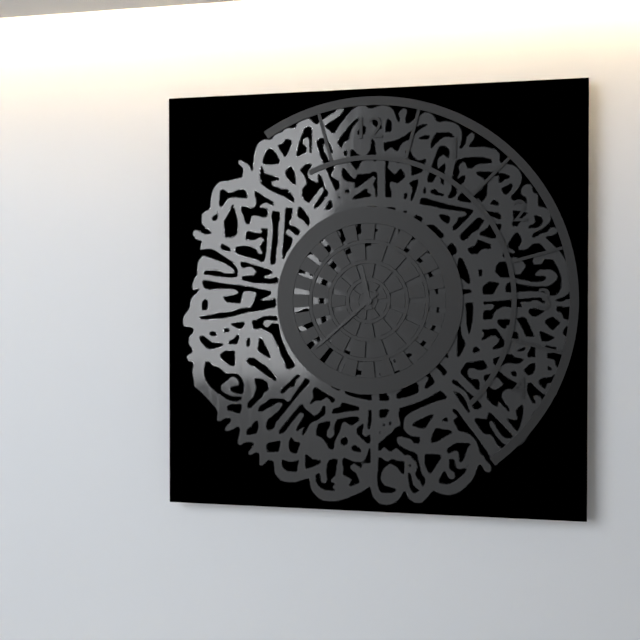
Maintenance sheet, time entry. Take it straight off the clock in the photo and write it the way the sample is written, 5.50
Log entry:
11.38
